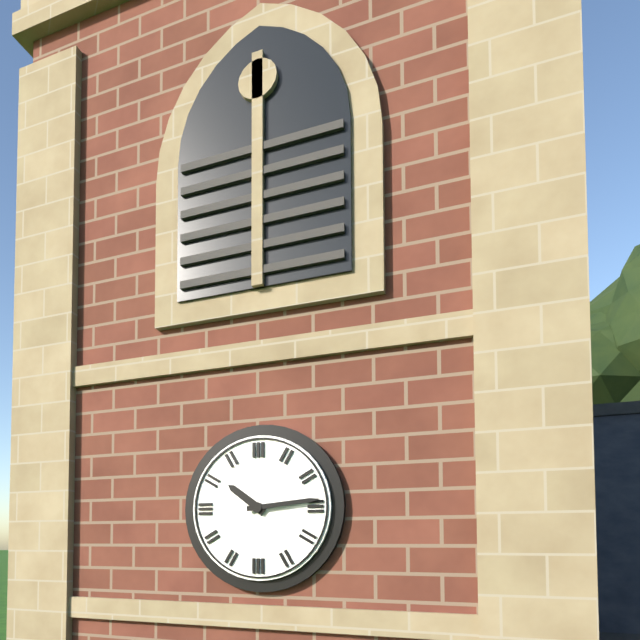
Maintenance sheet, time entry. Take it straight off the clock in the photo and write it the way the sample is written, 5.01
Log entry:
10.14
